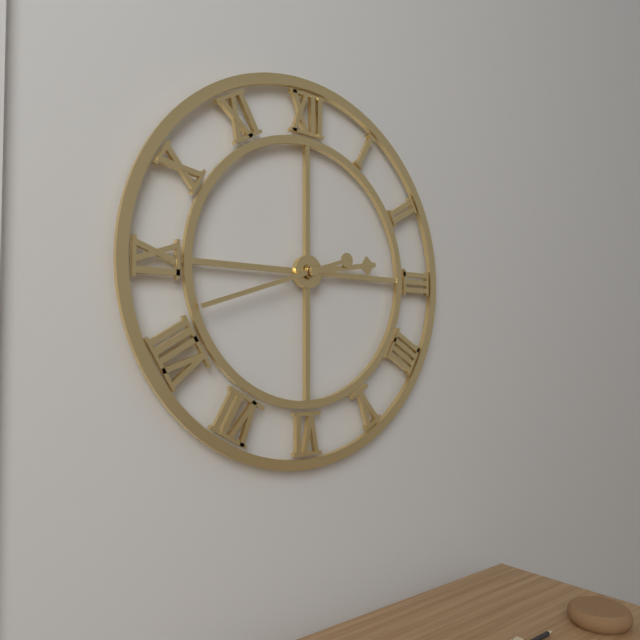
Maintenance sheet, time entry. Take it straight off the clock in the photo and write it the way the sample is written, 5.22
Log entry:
2.42
